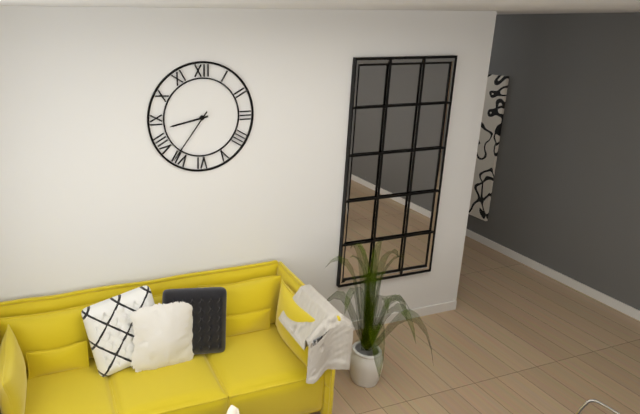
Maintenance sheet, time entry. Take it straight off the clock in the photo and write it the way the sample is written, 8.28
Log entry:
8.36
